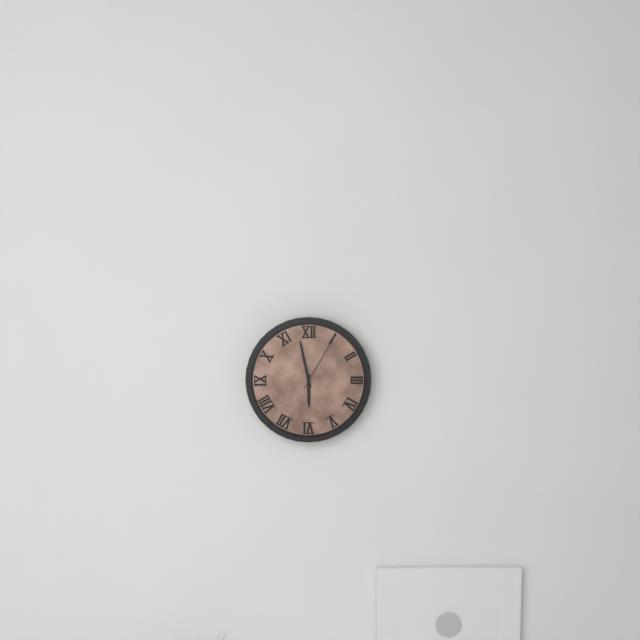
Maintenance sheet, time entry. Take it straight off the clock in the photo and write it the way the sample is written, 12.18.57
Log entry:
5.58.05
